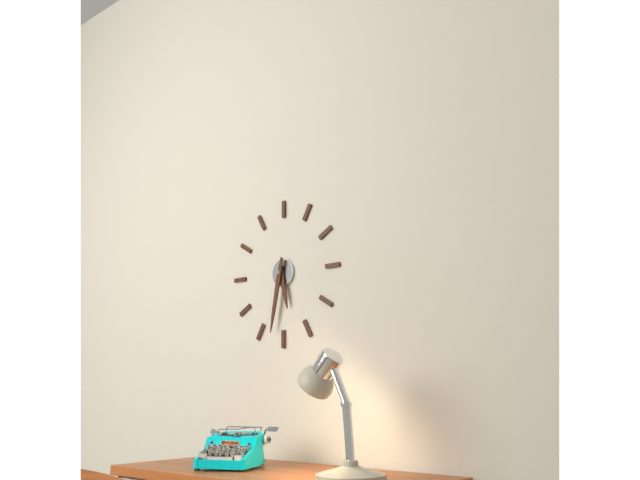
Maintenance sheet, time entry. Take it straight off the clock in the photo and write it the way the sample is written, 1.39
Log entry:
5.32
